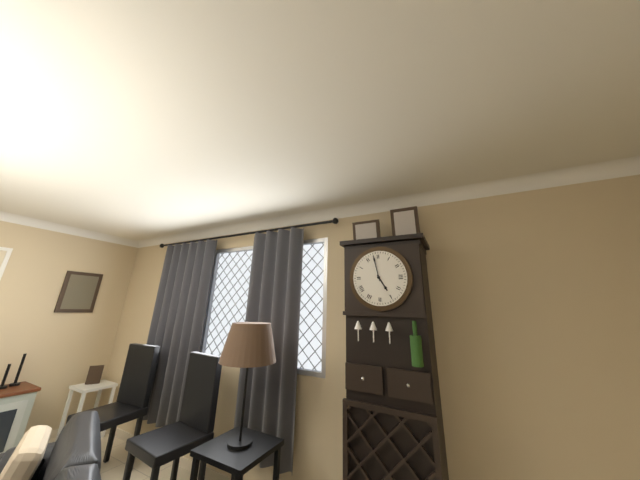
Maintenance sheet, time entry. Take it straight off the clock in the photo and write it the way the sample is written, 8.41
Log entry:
4.58
